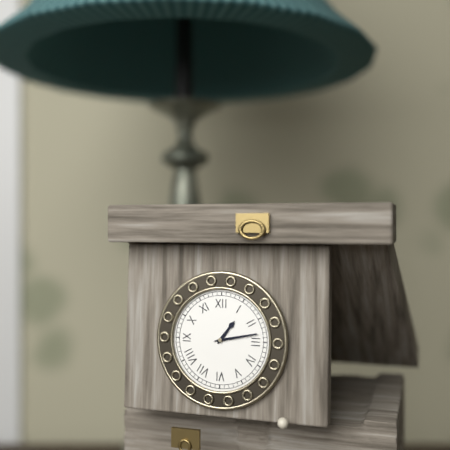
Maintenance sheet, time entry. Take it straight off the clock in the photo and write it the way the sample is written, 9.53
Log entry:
1.13
